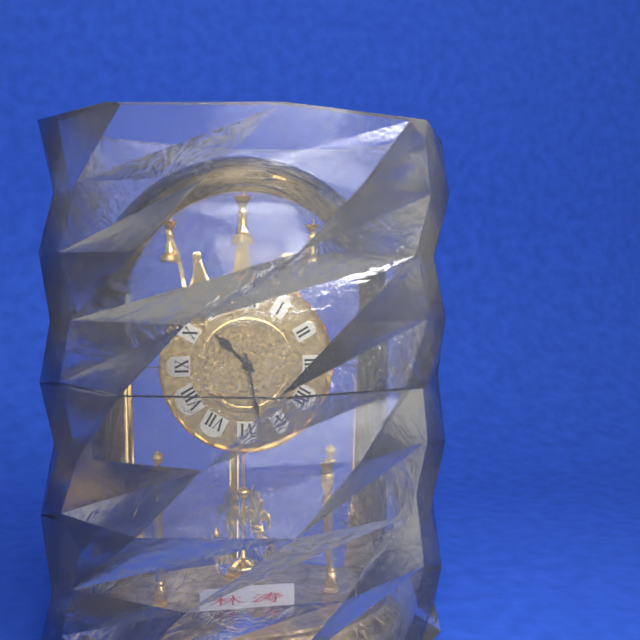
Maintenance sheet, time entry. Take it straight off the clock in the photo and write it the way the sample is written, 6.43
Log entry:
10.28
